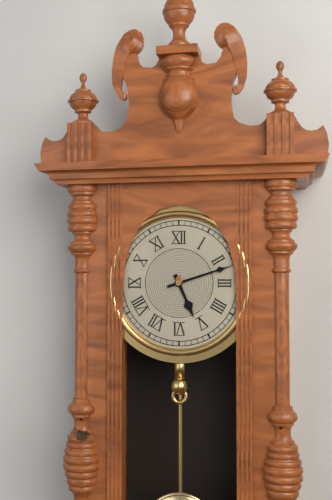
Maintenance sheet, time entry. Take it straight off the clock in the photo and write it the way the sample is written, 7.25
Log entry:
5.12
